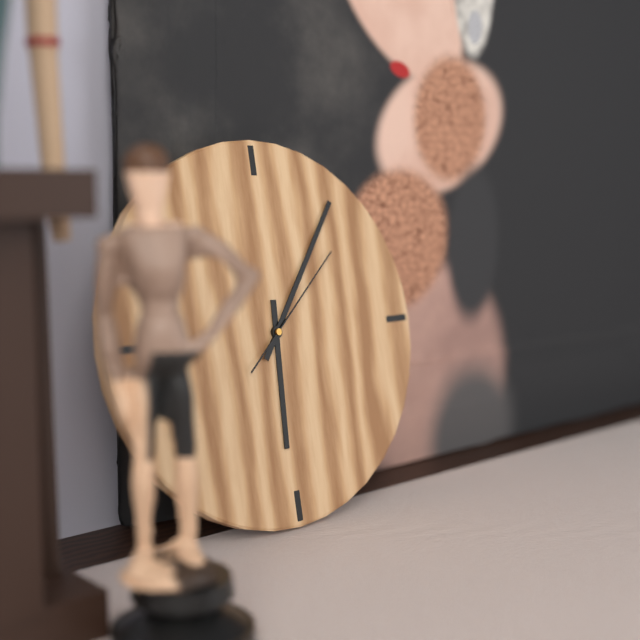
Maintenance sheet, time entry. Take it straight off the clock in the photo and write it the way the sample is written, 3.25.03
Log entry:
6.06.08
